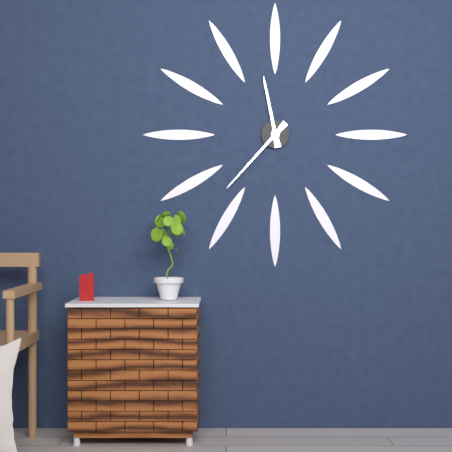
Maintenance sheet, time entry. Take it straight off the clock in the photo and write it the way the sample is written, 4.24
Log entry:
11.37
